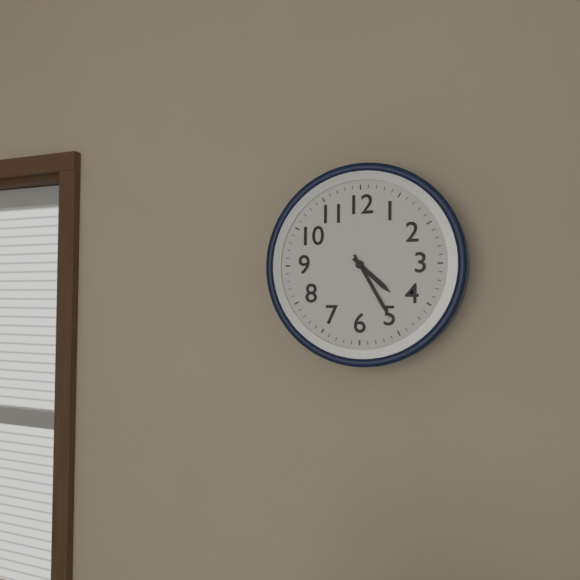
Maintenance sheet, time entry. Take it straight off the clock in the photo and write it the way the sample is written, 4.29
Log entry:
4.25
